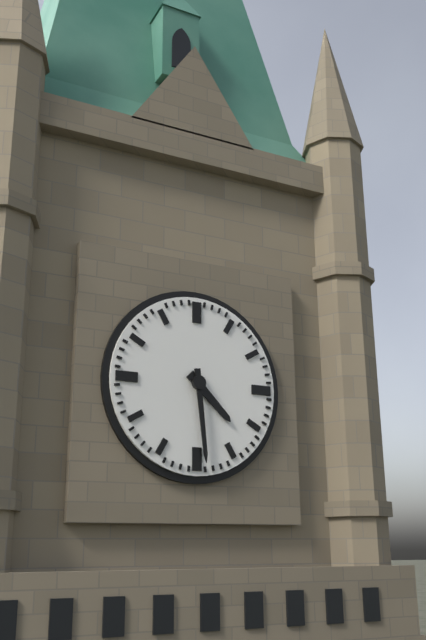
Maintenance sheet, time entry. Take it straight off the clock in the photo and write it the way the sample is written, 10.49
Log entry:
4.29
